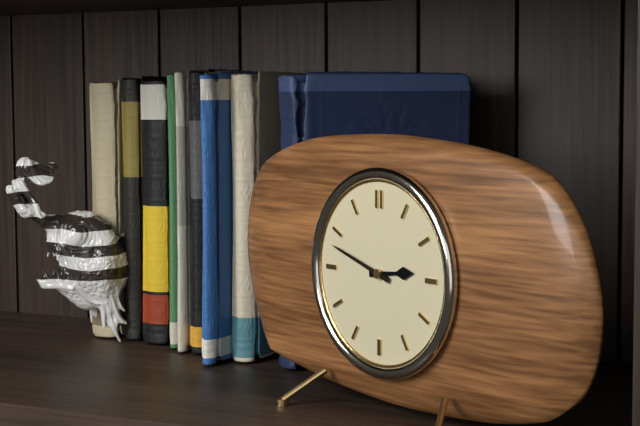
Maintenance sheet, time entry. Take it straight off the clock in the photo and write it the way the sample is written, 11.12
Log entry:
2.48
